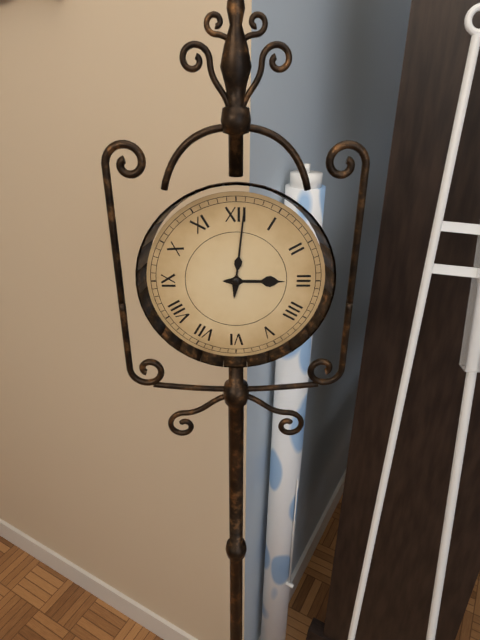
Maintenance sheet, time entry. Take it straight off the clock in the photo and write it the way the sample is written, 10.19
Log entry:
3.01
